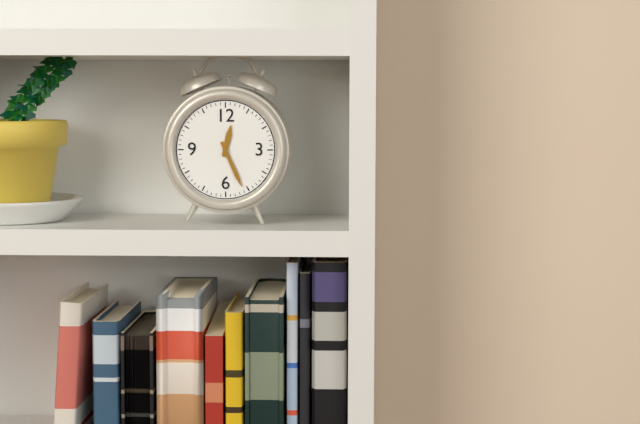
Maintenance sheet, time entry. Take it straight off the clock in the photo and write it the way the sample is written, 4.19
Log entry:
12.26
